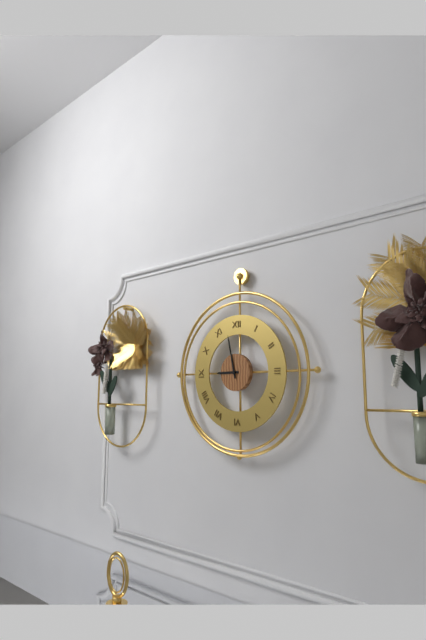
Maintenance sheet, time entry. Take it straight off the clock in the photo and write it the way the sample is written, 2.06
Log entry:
8.58
